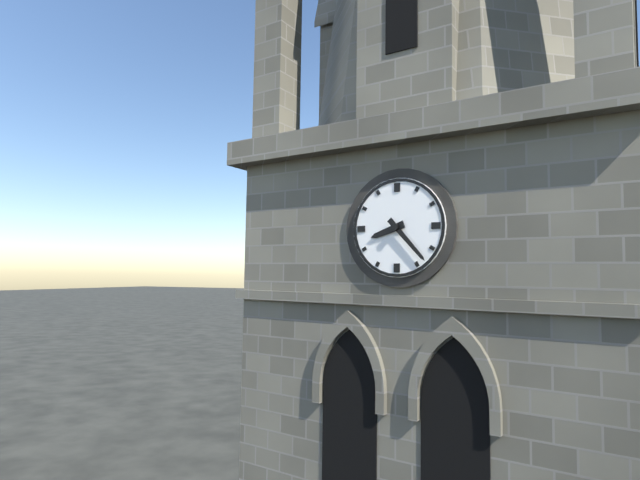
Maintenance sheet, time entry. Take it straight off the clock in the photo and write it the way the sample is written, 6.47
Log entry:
8.23
